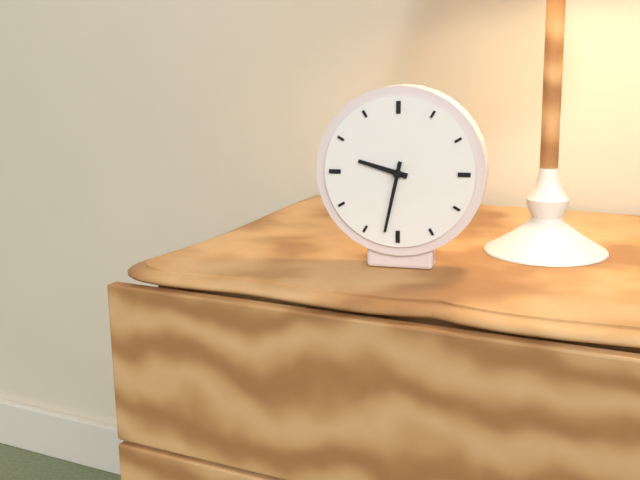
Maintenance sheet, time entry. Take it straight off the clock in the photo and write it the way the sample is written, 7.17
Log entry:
9.32
